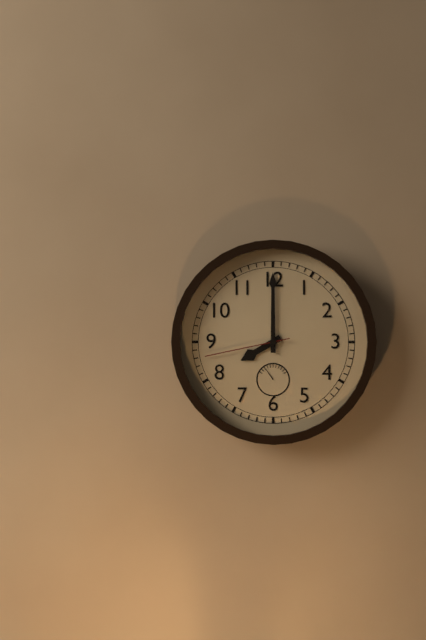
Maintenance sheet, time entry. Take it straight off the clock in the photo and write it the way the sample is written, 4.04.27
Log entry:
8.00.43
